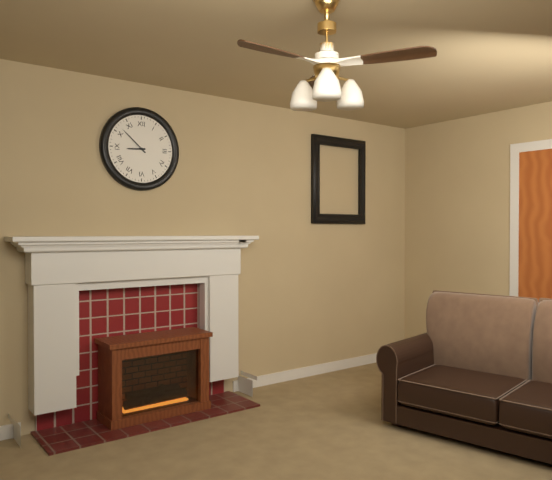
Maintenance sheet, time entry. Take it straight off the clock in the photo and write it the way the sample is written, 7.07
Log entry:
8.52
